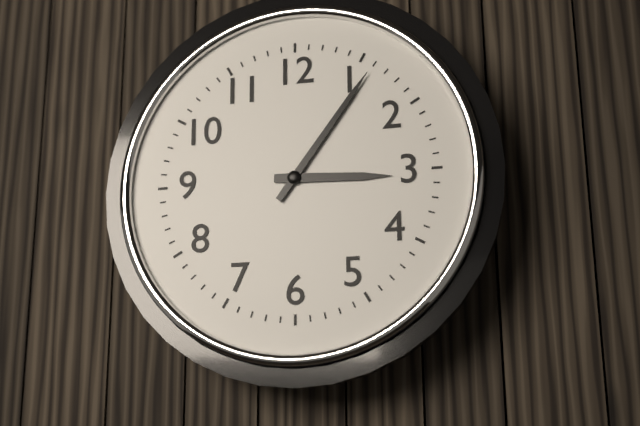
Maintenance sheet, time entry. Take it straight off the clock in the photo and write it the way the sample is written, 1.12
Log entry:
3.06
